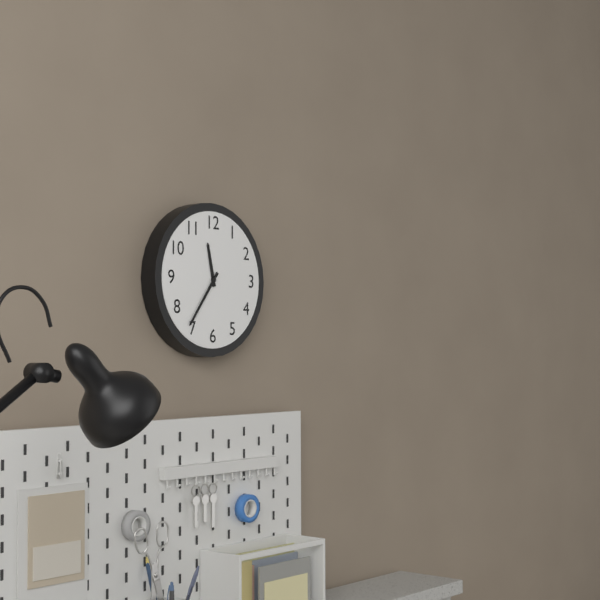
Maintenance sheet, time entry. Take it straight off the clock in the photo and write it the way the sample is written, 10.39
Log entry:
11.36
